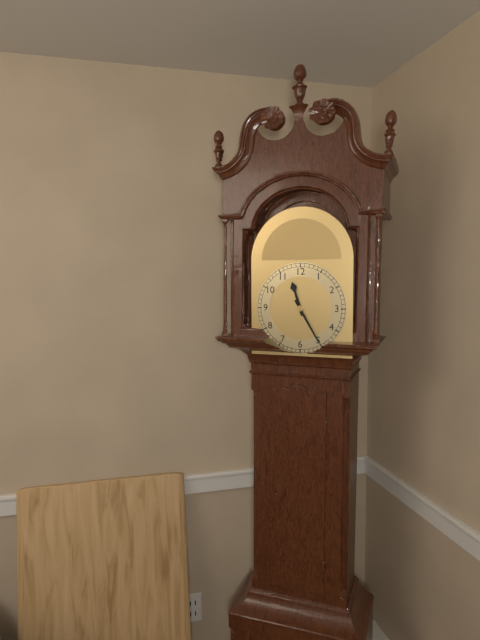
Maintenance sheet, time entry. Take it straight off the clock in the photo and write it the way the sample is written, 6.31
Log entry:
11.25
